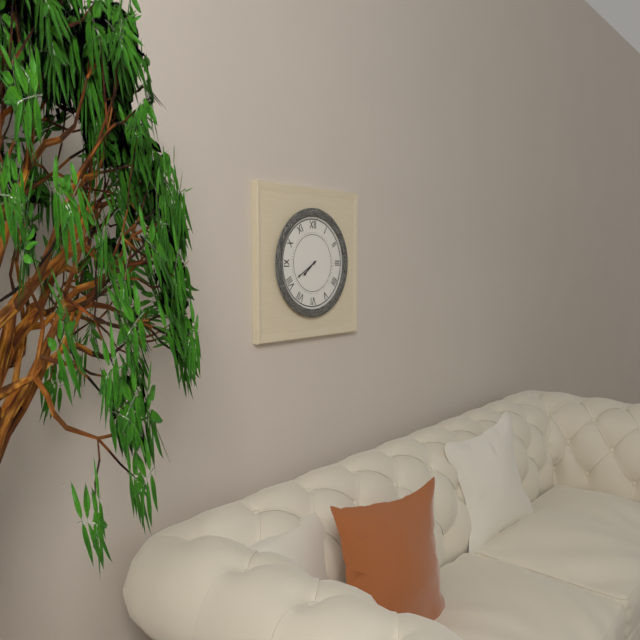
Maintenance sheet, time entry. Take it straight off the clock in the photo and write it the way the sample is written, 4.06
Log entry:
7.40
